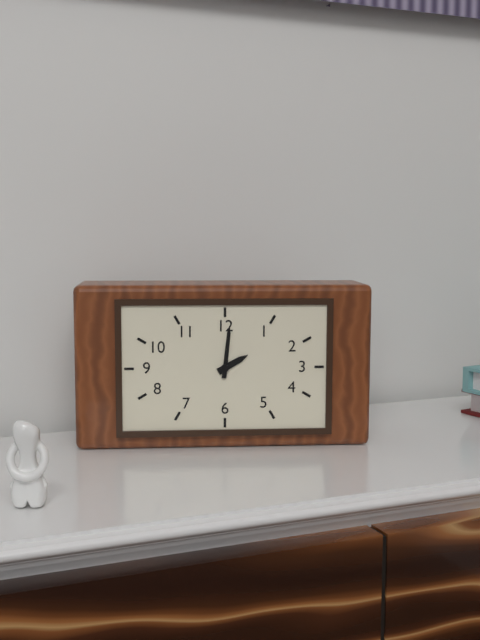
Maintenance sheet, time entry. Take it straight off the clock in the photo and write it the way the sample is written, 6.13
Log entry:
2.01
